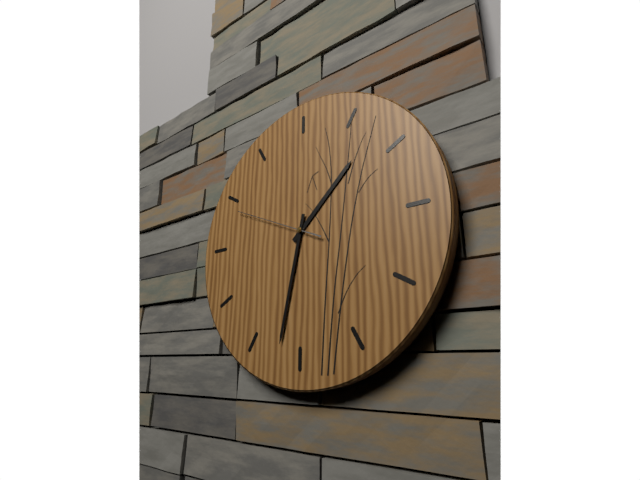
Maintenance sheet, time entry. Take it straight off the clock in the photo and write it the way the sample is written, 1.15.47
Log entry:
1.32.49
